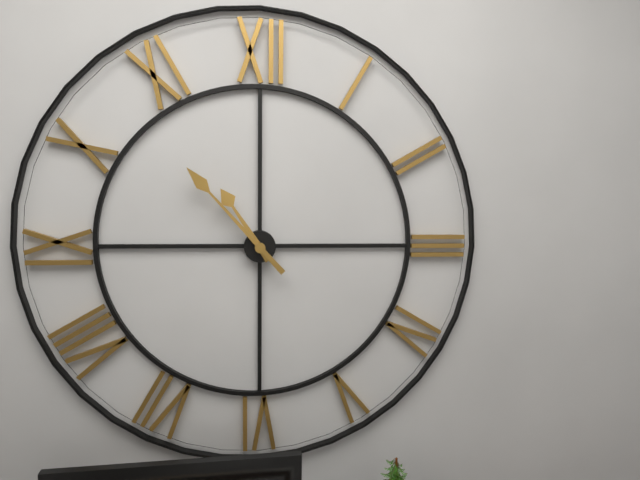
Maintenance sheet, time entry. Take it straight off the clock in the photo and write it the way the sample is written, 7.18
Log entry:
10.53
